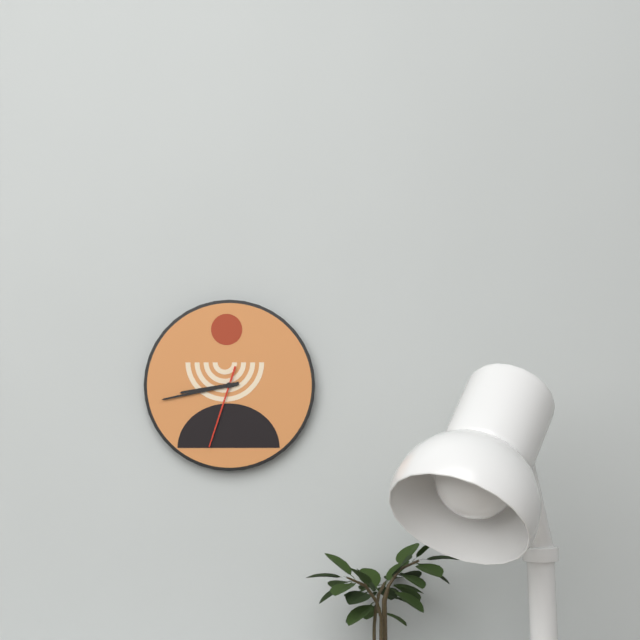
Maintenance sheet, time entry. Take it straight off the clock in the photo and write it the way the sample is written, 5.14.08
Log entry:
8.43.33
